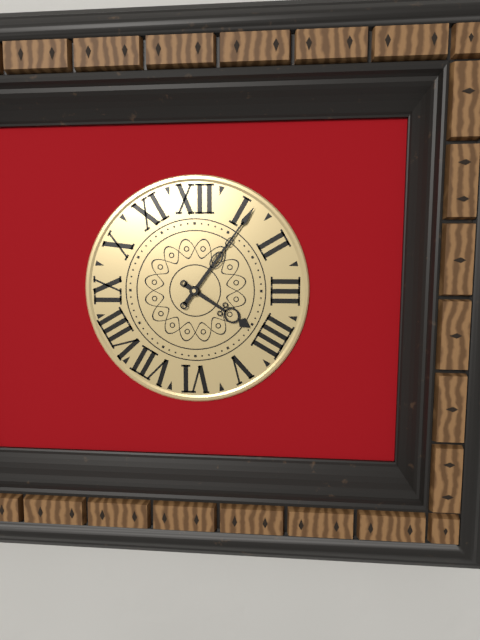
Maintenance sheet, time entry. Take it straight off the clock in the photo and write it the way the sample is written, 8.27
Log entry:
4.06
